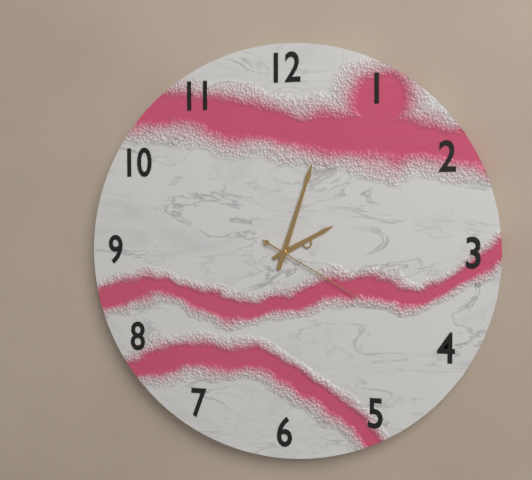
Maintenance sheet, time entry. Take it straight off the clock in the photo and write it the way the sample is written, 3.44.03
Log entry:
2.03.20
